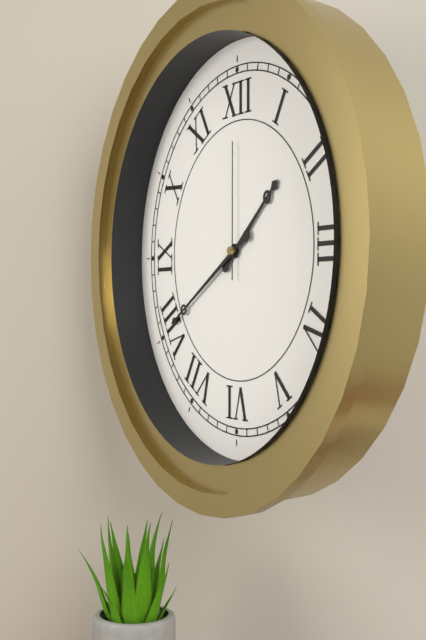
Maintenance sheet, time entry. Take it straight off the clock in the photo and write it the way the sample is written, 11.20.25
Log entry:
1.40.00
